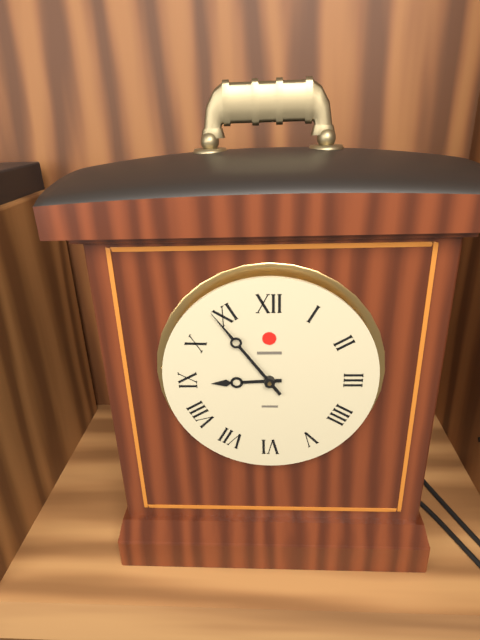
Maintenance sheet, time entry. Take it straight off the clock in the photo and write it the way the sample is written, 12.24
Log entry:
8.54
